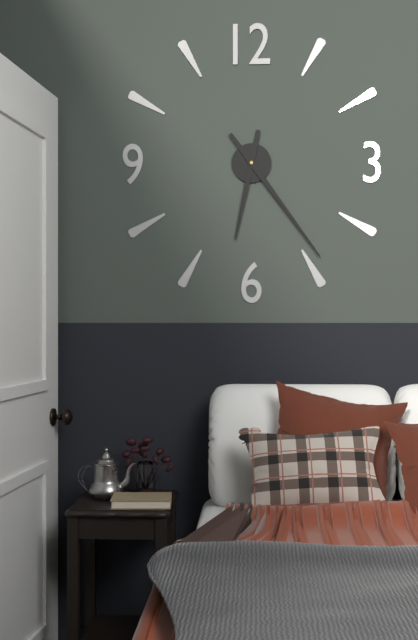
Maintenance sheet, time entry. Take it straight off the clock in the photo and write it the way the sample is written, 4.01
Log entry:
6.24
